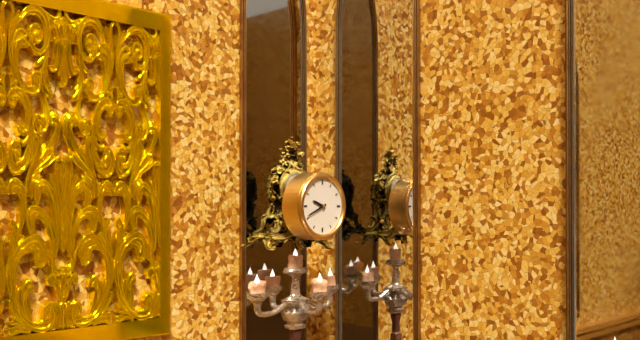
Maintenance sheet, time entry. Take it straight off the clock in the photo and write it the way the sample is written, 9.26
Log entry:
9.41
